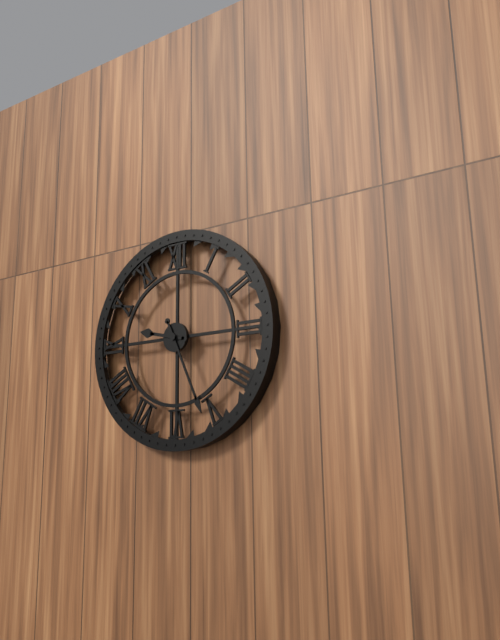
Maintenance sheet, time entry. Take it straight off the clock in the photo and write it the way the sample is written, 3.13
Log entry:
9.26
